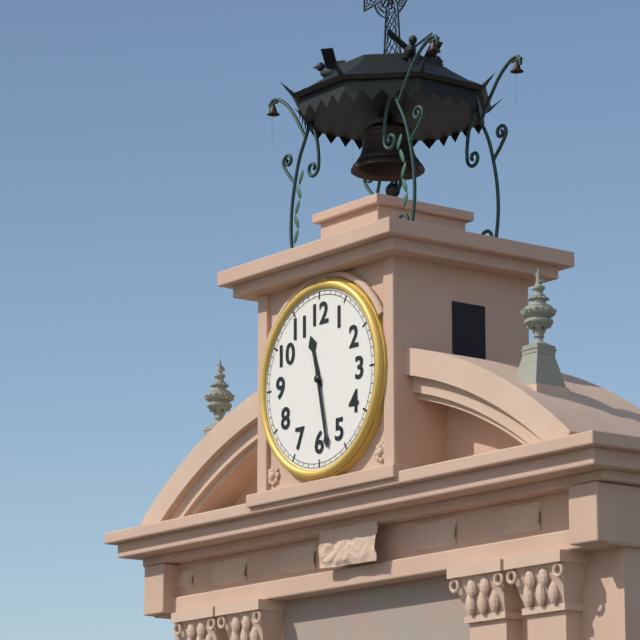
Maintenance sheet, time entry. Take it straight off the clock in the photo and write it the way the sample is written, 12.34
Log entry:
11.28
